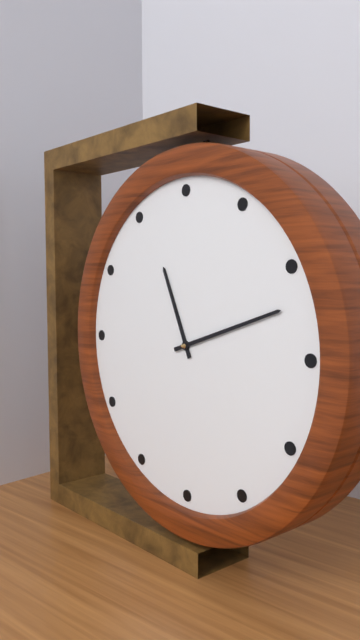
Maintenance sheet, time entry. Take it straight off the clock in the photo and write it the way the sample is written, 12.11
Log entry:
11.12
